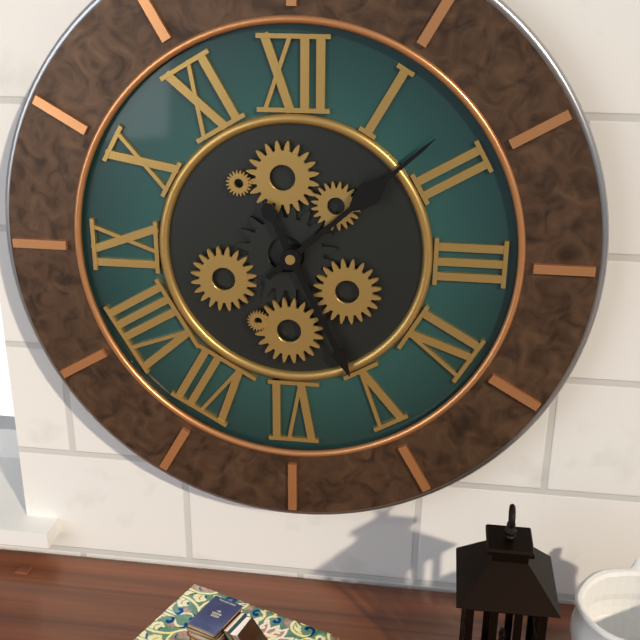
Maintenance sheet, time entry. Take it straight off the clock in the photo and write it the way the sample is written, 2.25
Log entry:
5.08
